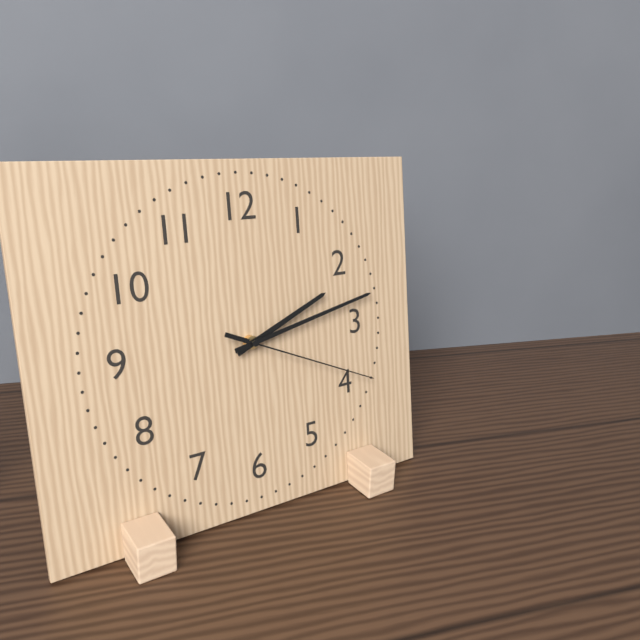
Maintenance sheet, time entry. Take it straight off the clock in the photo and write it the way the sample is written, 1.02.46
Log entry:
2.13.19
